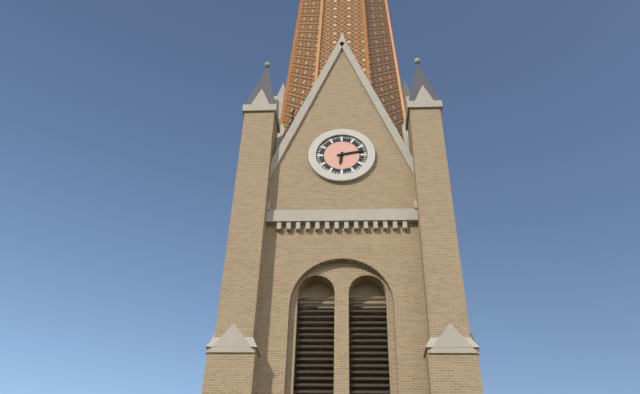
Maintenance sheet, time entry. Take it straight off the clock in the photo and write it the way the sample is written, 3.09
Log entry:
6.13
